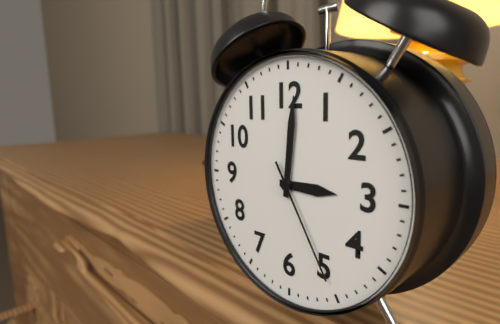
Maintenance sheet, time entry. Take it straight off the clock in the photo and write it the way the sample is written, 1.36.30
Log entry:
3.01.25
